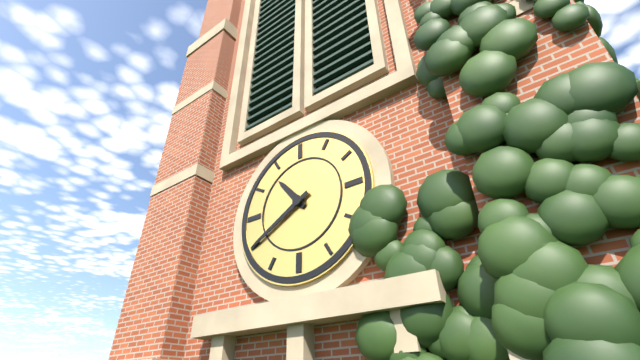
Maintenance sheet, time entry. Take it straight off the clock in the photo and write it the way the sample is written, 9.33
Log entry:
10.40
